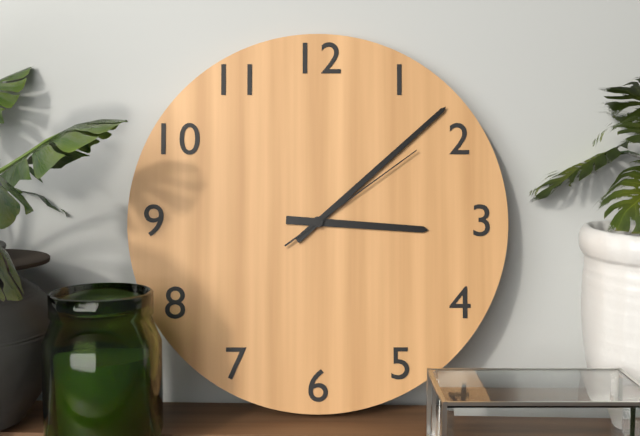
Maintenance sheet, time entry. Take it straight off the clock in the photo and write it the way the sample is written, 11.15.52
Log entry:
3.08.09
